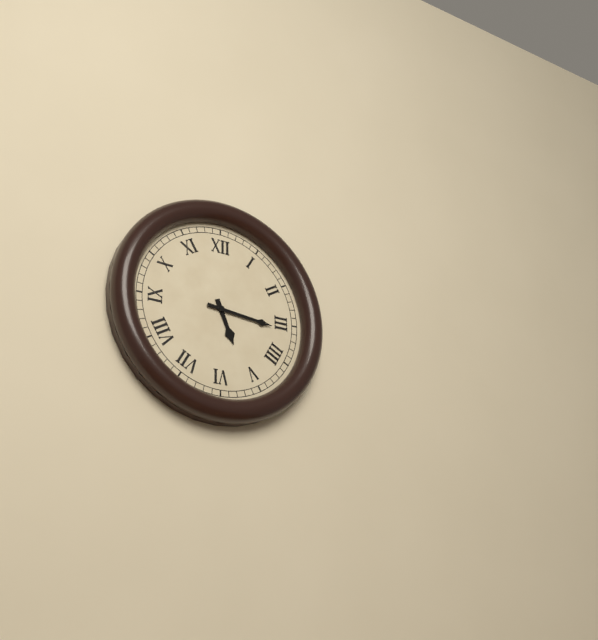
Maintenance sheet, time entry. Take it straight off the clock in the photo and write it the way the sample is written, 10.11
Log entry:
5.16
